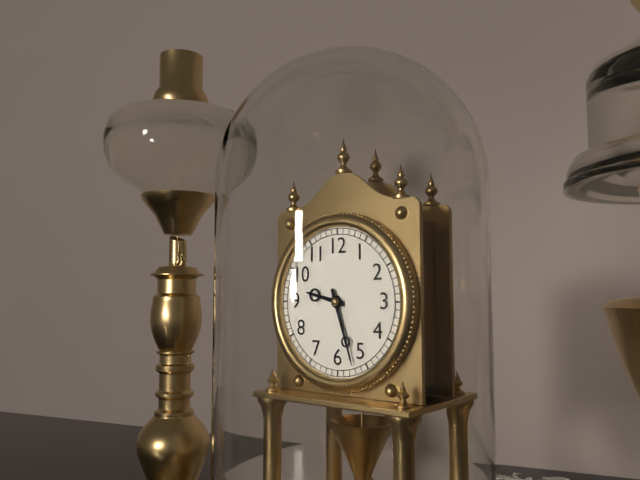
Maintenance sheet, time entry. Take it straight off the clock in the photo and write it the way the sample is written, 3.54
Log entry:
9.27
